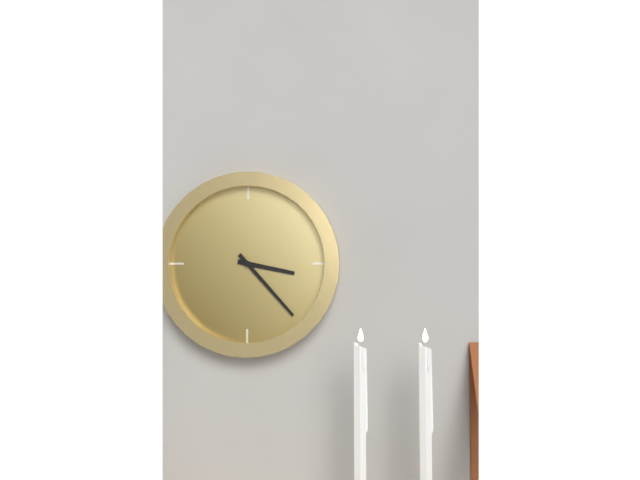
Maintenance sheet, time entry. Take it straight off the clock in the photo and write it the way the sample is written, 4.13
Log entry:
3.23
